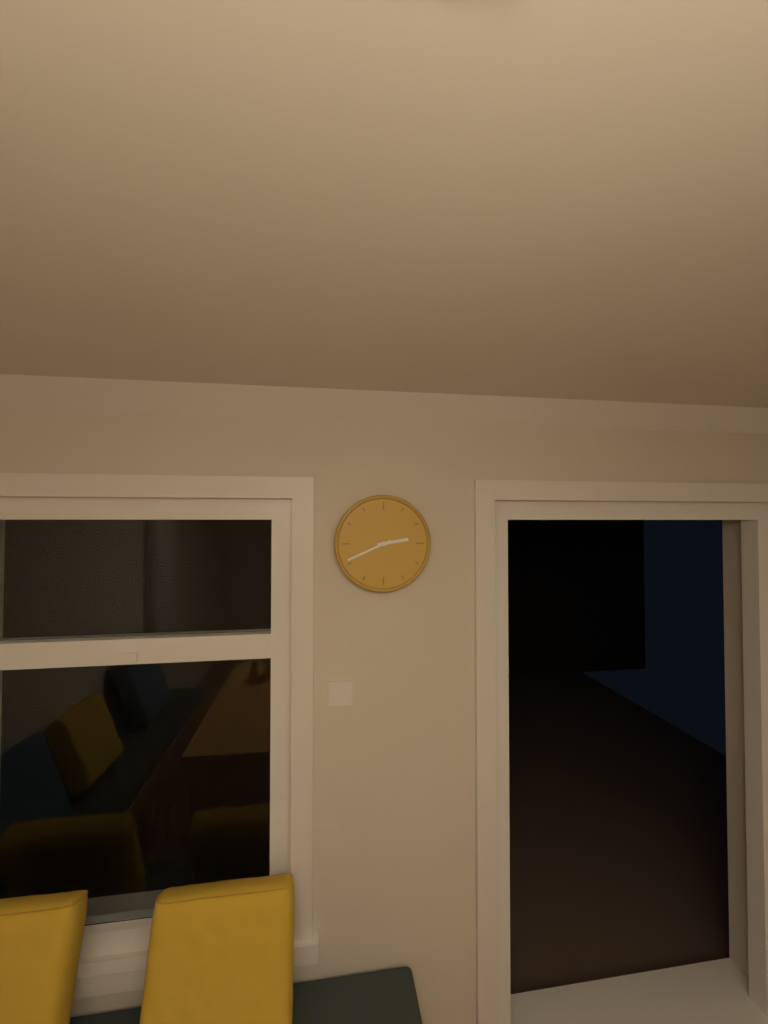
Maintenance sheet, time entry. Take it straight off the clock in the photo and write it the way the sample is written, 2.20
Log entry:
2.41
